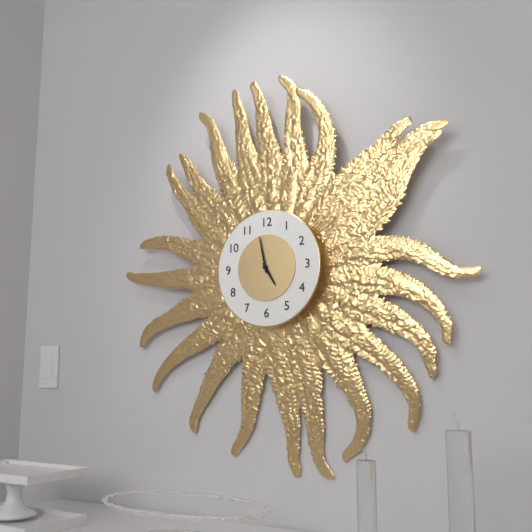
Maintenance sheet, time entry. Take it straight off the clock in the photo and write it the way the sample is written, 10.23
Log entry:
4.58
